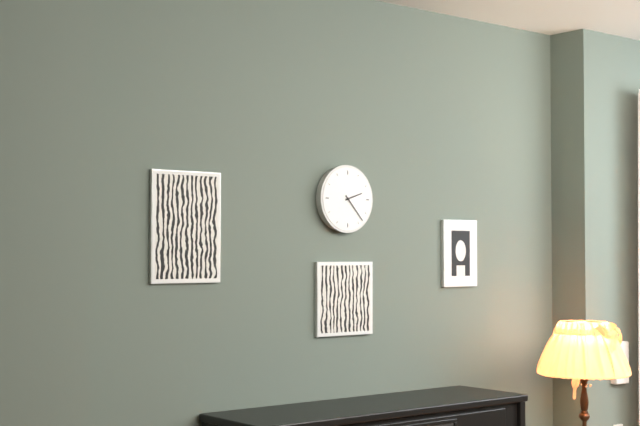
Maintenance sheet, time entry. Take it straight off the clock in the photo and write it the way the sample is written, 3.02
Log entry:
2.23
